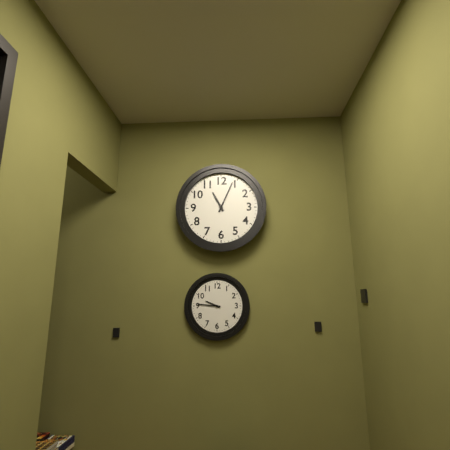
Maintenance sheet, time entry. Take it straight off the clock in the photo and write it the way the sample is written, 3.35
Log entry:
11.04
